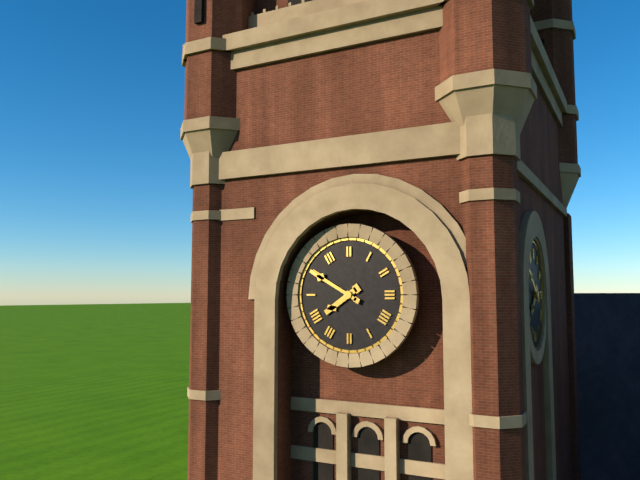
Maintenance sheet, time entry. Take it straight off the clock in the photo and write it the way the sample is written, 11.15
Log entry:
7.50
